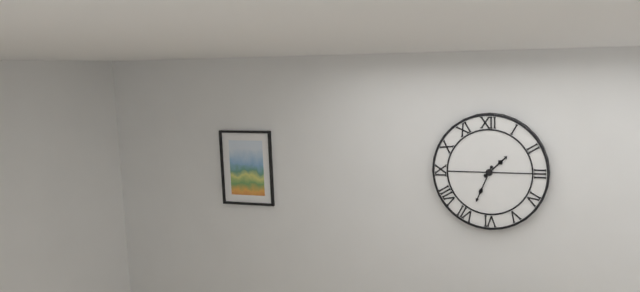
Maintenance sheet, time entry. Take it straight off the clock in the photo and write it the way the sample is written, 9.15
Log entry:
1.34
